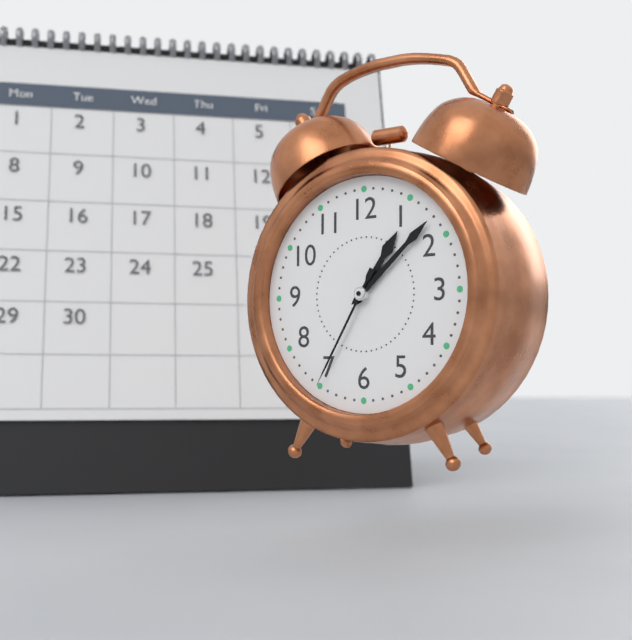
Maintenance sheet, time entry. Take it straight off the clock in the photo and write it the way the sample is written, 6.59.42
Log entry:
1.08.35
